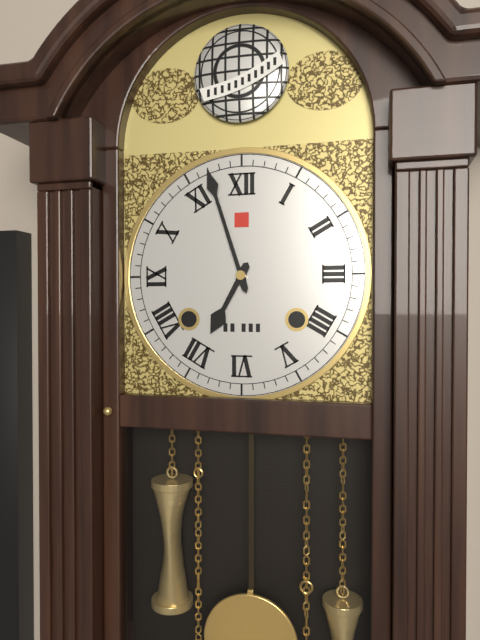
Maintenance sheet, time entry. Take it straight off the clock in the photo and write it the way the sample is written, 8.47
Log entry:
6.57
